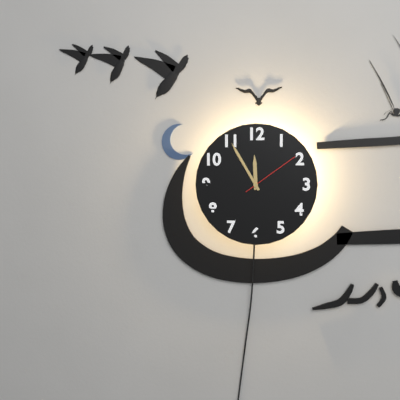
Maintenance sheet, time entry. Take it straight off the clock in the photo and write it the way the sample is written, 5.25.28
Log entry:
11.55.09
